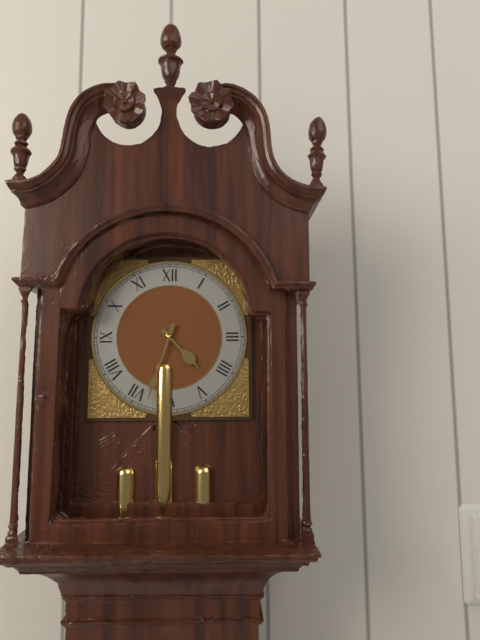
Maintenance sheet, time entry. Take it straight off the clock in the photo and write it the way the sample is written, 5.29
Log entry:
4.33
